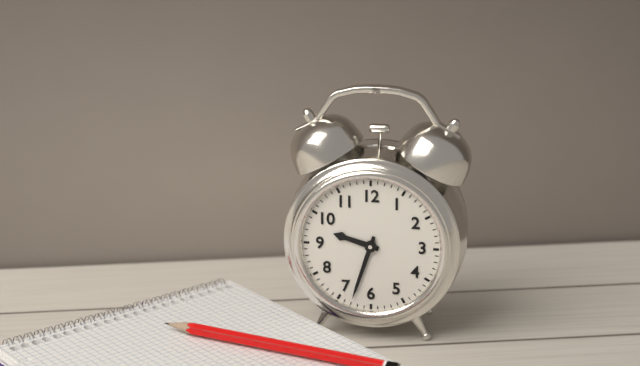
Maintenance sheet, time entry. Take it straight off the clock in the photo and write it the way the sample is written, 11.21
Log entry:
9.33
